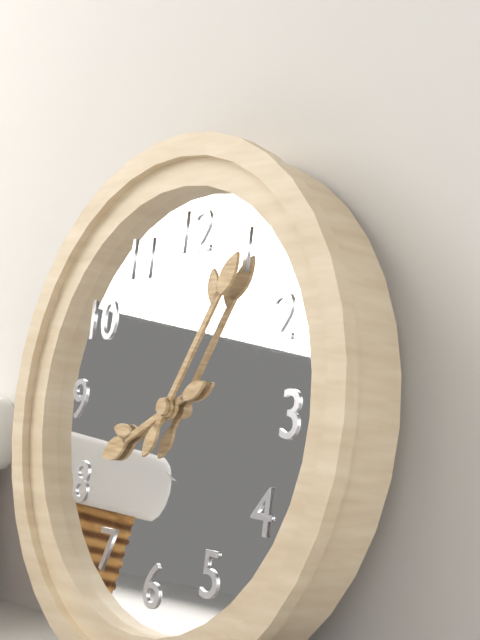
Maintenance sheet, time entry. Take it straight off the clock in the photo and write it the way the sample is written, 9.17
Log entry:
8.05
